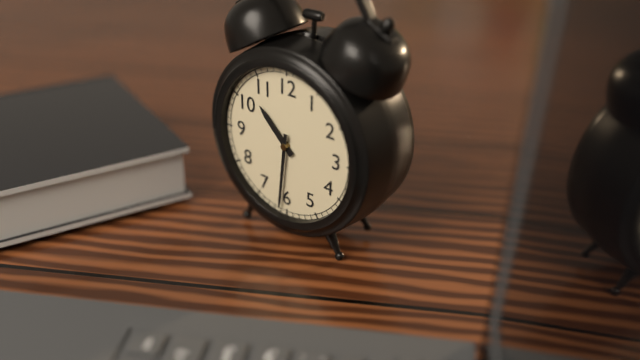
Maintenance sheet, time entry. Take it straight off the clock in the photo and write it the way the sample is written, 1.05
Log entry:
10.31
